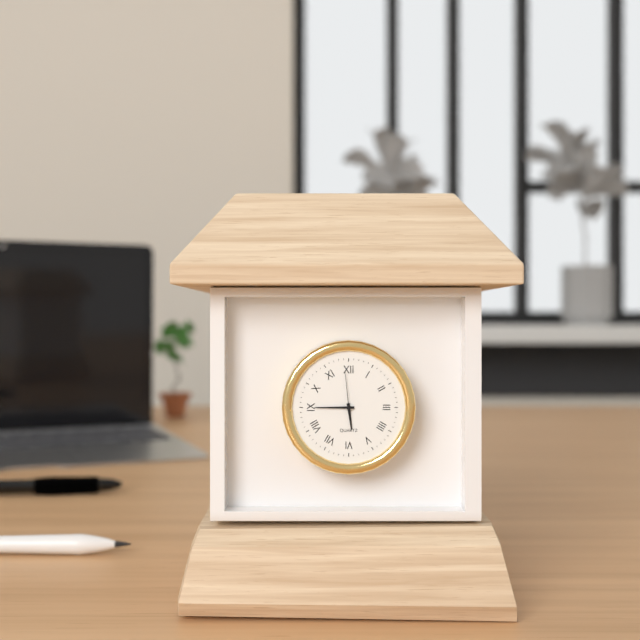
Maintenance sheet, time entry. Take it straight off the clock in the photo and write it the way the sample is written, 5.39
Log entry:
5.45
